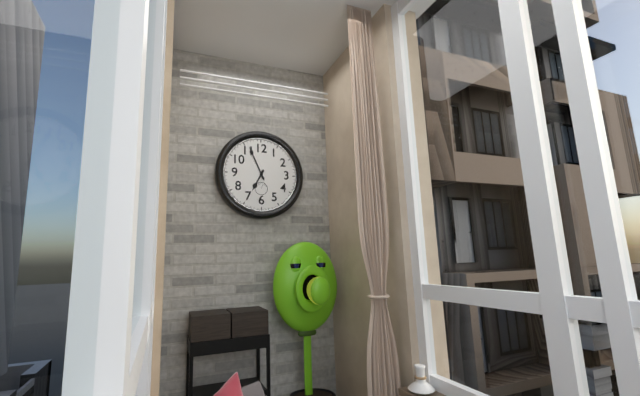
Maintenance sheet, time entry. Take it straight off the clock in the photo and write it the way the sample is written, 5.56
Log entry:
6.56
